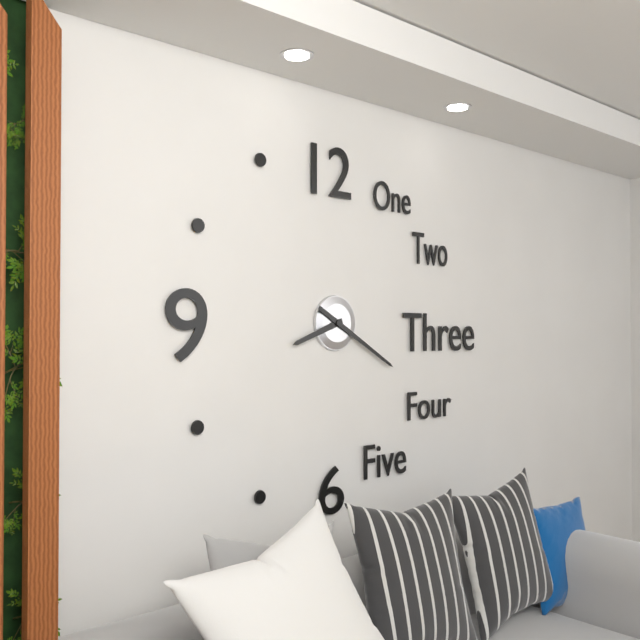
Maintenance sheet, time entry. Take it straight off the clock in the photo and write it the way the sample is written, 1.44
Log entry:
8.20
